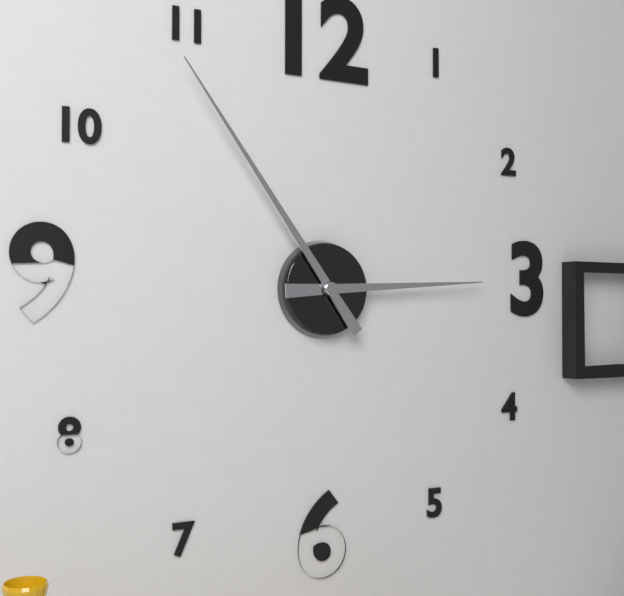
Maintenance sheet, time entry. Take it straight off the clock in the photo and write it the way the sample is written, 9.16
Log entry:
2.54
